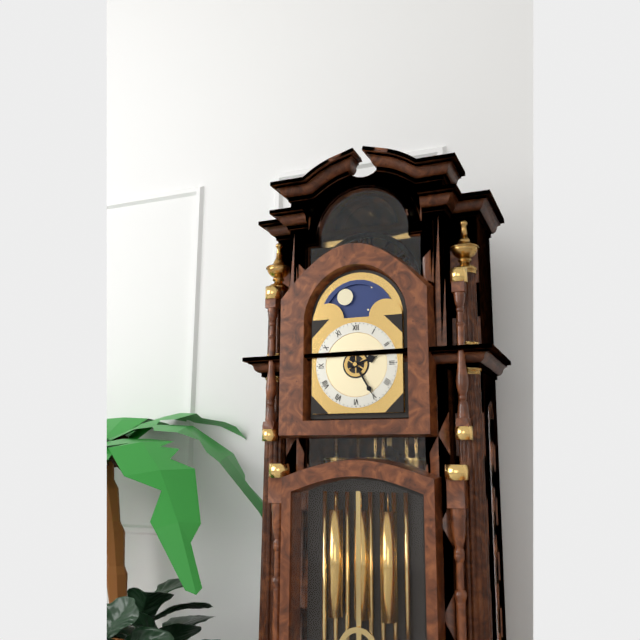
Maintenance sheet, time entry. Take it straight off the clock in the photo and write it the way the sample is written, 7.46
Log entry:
2.25
